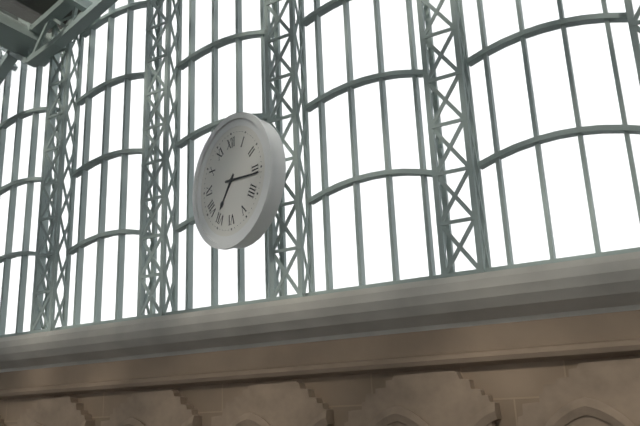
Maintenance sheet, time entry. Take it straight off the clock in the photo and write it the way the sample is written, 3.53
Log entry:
7.16
